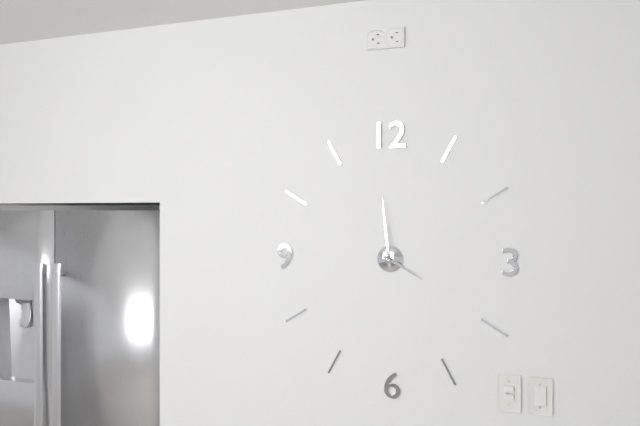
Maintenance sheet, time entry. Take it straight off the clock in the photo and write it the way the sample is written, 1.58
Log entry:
3.59
